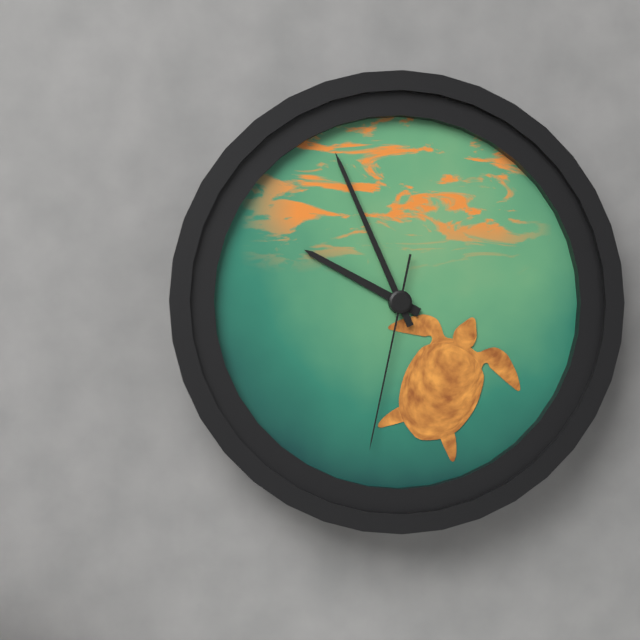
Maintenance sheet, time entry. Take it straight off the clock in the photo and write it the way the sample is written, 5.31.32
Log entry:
9.56.32
